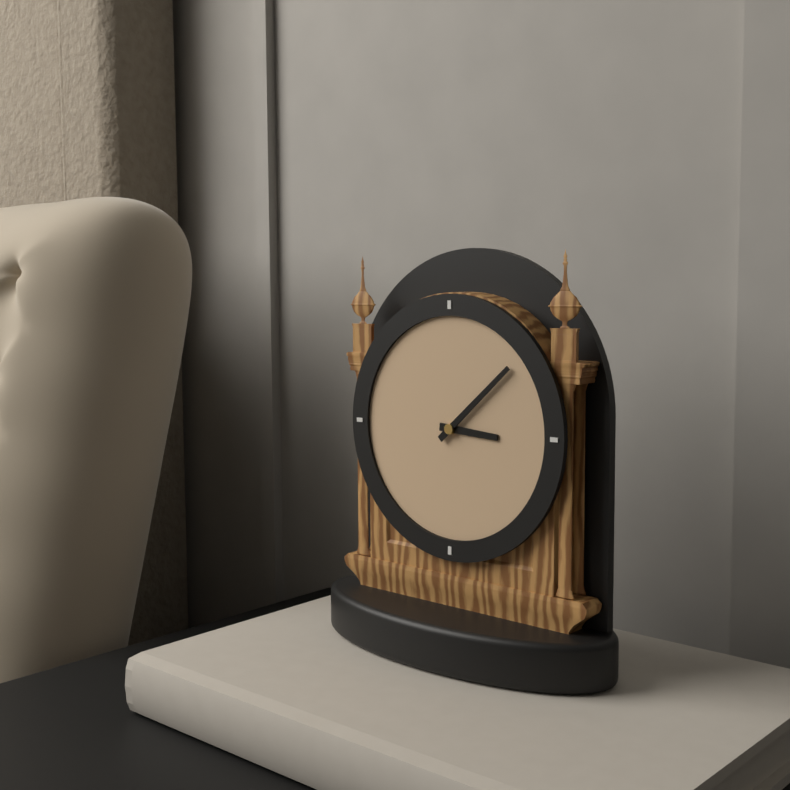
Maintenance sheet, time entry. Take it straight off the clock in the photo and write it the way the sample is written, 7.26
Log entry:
3.08
